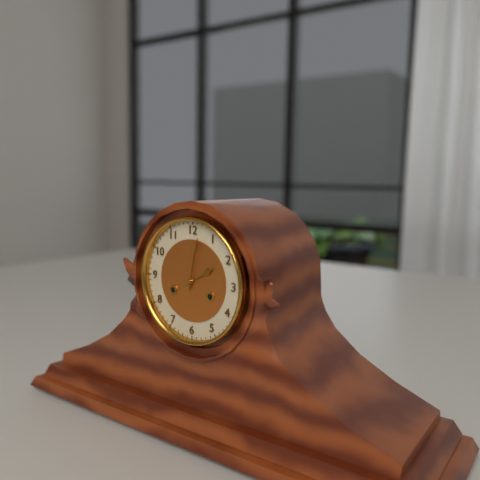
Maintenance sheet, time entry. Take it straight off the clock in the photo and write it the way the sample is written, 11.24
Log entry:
2.02
